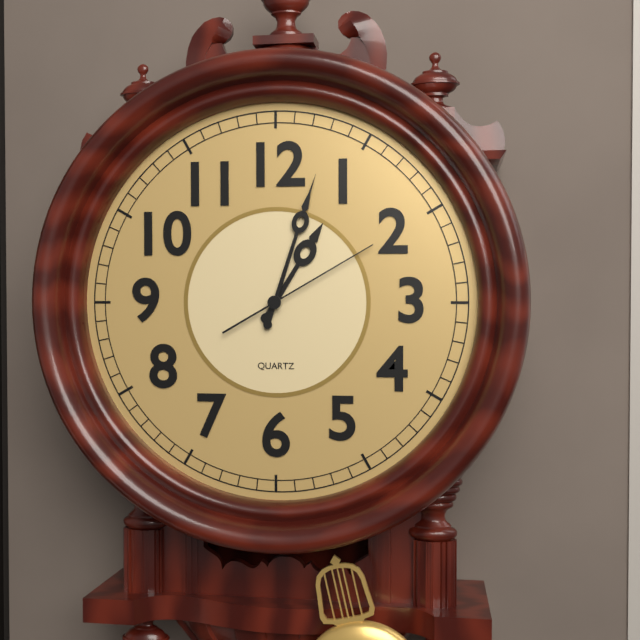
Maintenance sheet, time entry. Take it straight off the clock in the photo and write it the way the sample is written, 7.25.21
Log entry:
1.03.10
